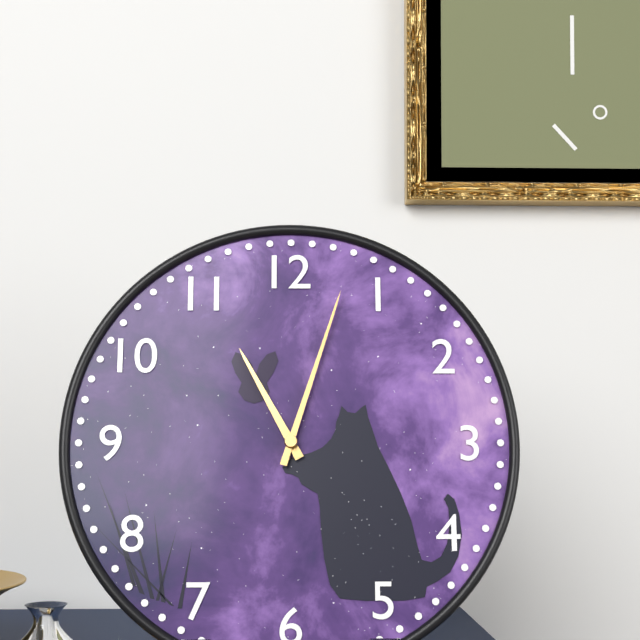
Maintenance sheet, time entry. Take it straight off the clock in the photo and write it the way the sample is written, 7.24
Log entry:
11.03
